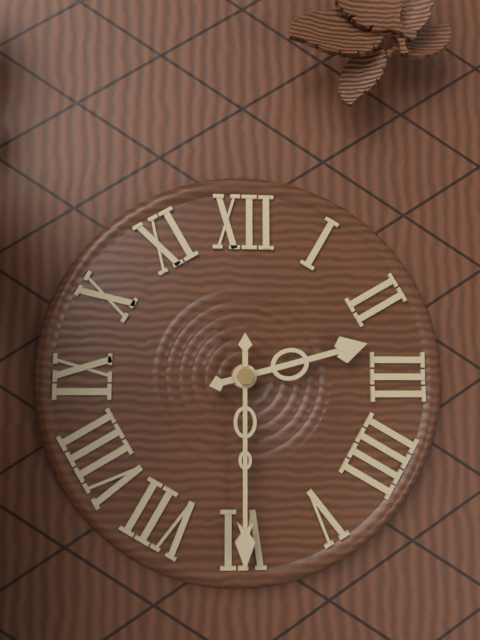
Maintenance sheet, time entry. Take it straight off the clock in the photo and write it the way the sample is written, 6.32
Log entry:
2.30
